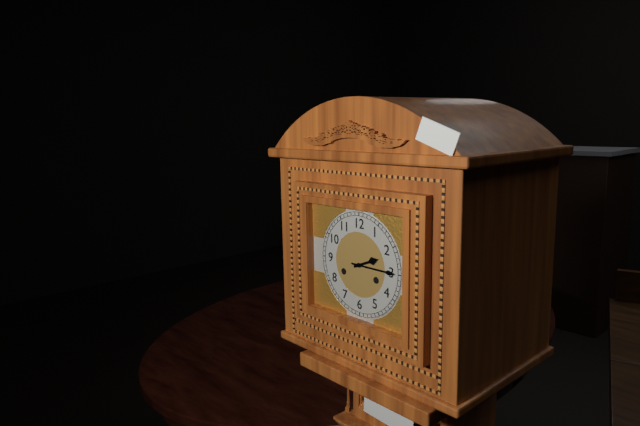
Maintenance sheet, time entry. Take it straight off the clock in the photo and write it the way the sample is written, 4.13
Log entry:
2.15
